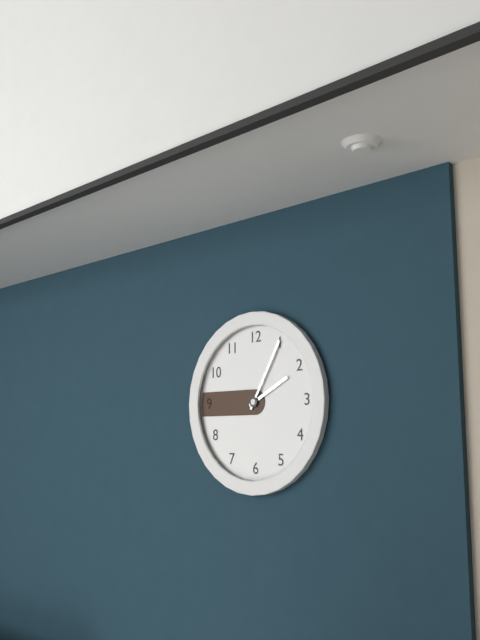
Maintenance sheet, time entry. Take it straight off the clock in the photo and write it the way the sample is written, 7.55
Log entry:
2.05
